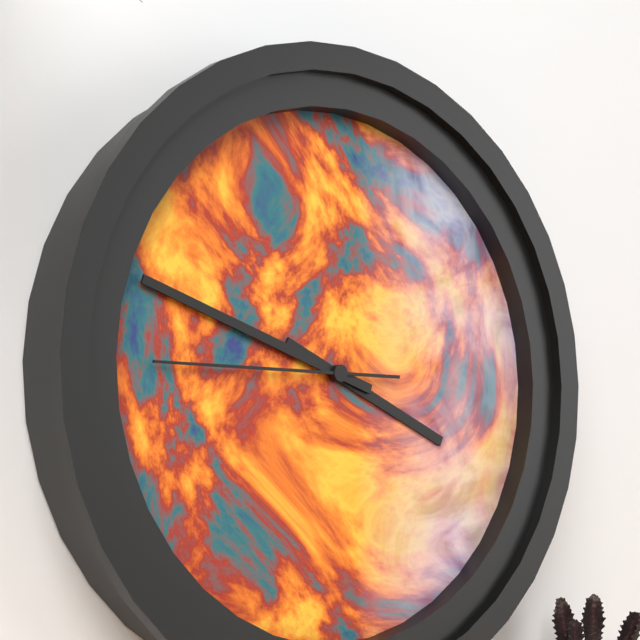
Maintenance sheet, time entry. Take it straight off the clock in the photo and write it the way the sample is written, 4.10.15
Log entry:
3.48.45
